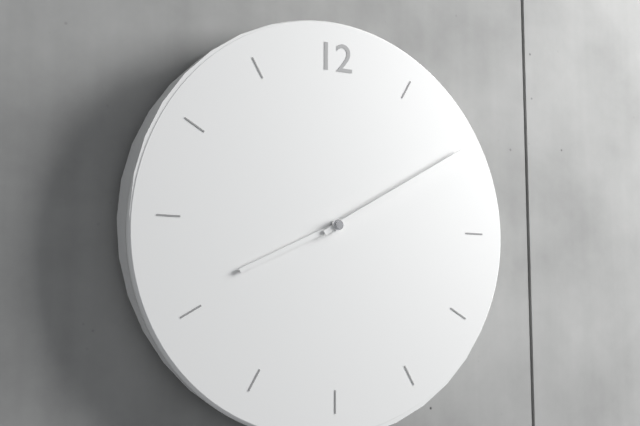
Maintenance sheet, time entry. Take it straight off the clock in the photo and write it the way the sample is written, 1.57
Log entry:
8.10
